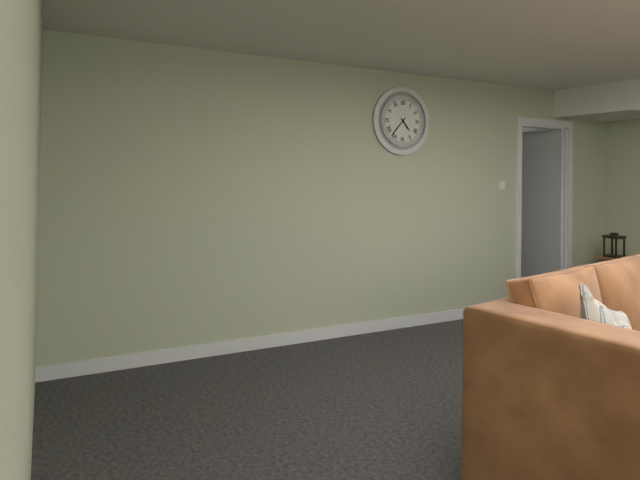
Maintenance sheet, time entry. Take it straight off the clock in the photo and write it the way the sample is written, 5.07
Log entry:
4.37
